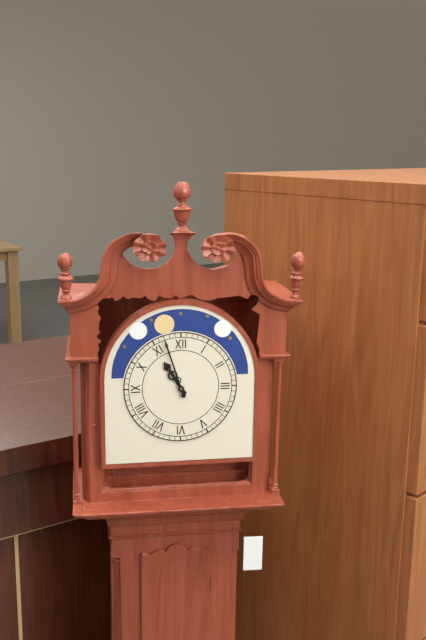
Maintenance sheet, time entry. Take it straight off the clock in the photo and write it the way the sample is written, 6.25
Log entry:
10.57
